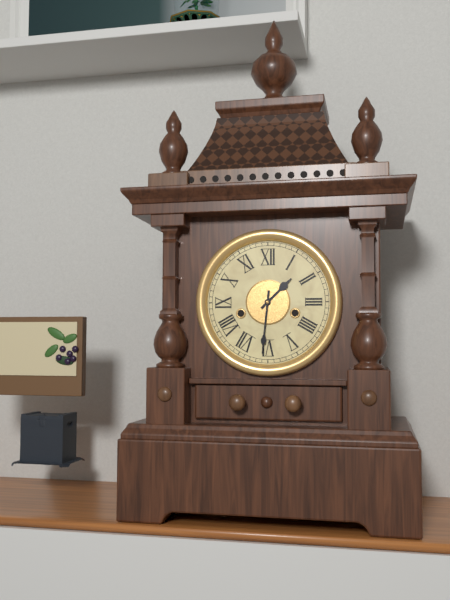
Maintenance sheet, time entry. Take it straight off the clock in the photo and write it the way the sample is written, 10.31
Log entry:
1.31
